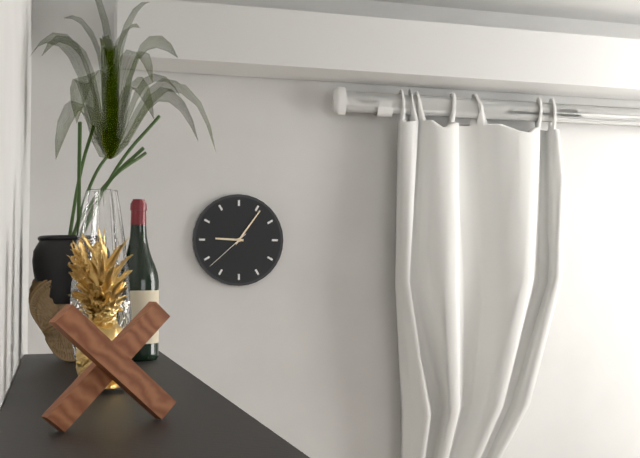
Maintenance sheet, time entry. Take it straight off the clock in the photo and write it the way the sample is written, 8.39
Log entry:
9.06
